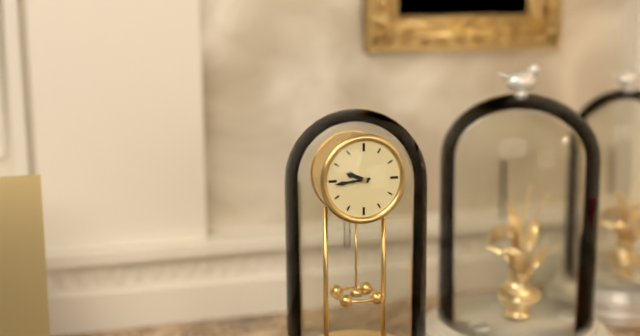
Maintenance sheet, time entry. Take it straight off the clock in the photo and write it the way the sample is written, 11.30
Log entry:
9.44
